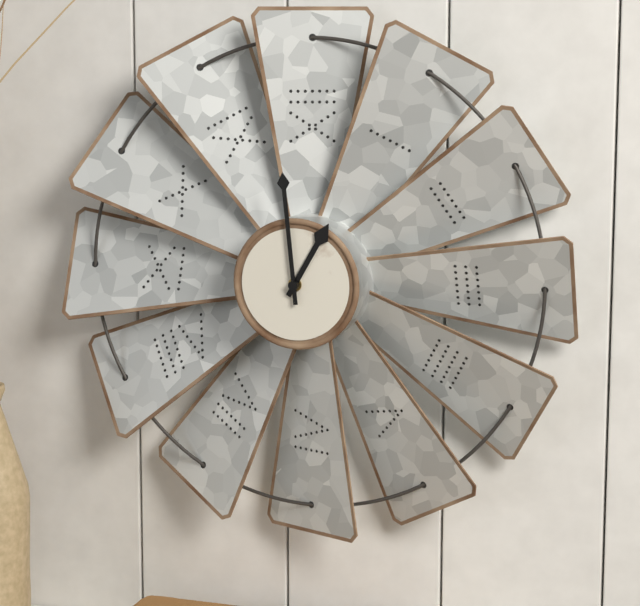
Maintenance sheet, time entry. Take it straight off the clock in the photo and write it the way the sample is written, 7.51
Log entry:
12.59
